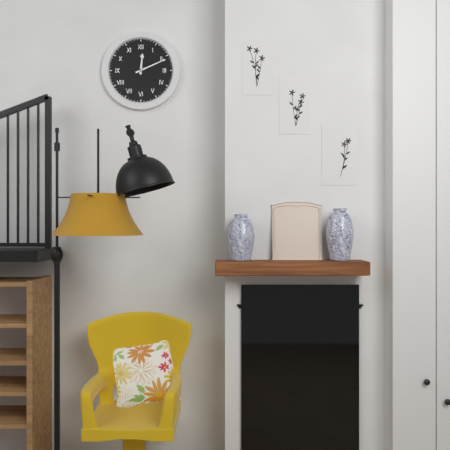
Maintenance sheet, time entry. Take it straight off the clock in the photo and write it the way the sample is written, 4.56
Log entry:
12.11
